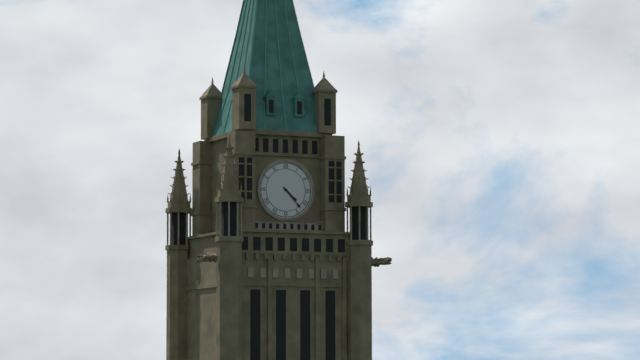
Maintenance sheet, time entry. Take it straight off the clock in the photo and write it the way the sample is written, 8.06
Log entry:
4.23
